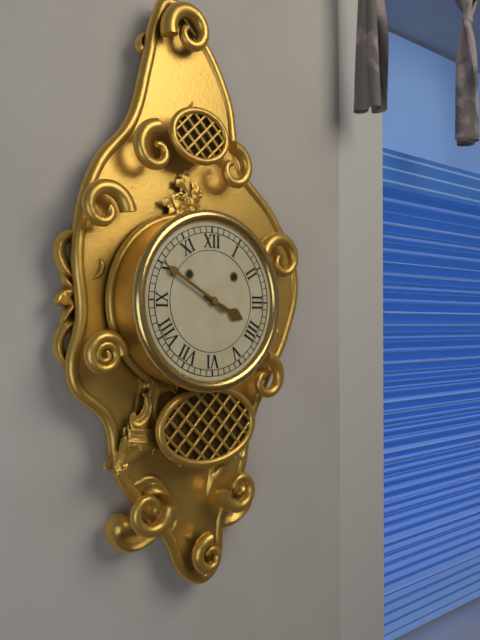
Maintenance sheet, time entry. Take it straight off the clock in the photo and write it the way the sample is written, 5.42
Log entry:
3.50
